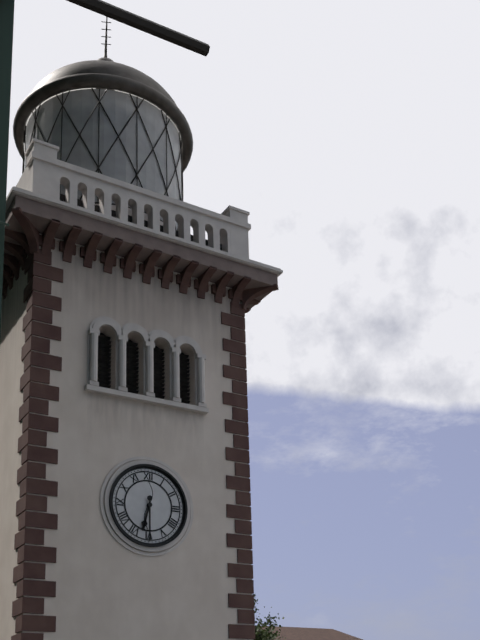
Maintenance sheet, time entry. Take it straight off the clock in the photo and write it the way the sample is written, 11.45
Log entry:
6.30
